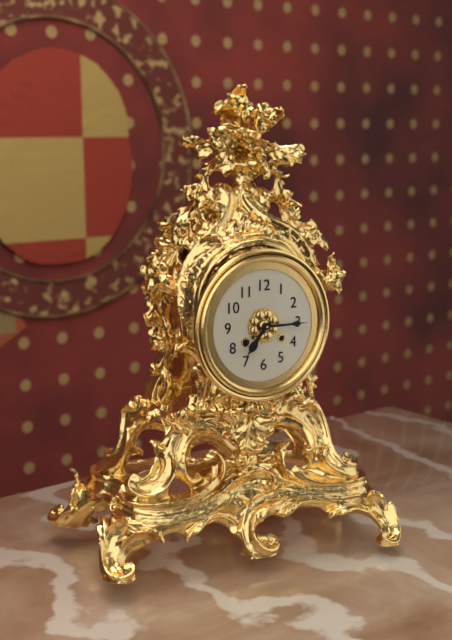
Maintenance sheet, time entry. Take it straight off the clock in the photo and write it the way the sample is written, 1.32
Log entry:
7.15
